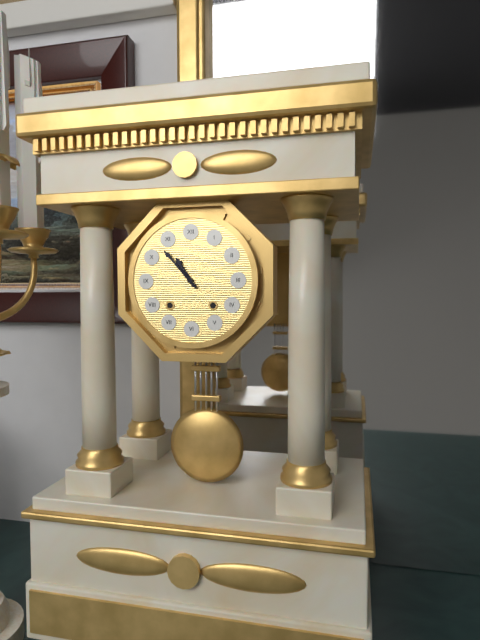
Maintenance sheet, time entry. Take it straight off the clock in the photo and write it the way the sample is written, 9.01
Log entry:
10.53
